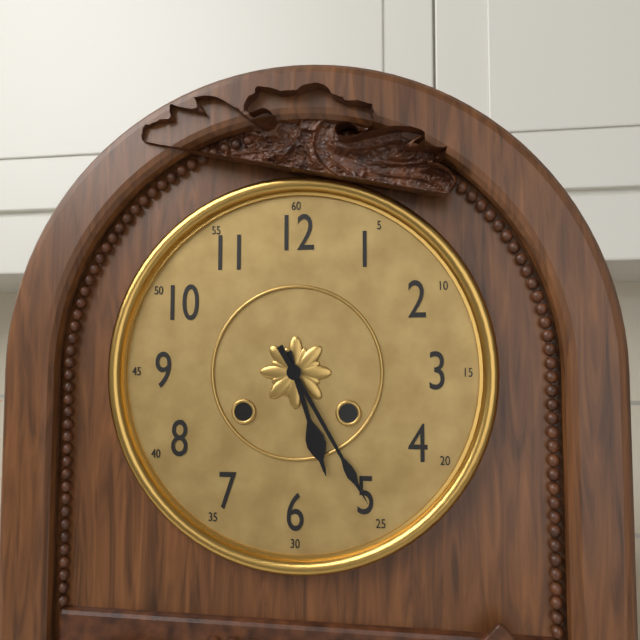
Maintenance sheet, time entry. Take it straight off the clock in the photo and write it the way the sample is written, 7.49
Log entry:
5.25
